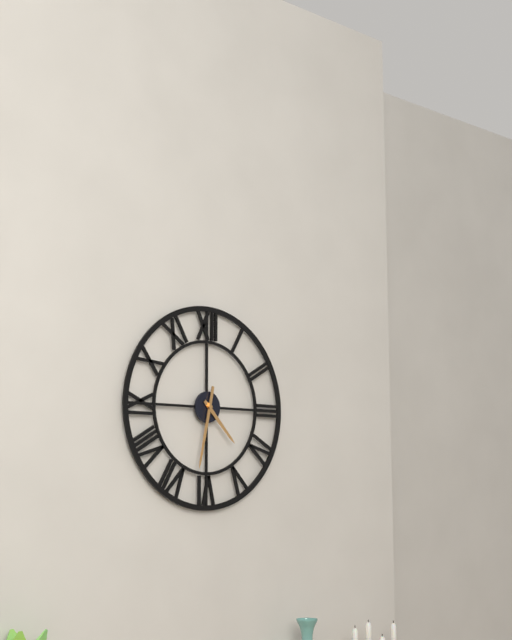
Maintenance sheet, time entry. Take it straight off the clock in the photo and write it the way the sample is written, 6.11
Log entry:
4.32
